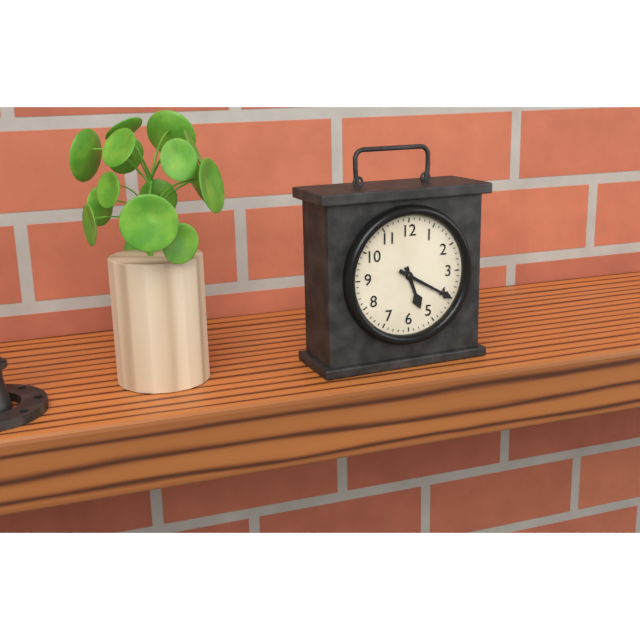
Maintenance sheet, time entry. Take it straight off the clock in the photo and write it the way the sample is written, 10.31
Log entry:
5.20
